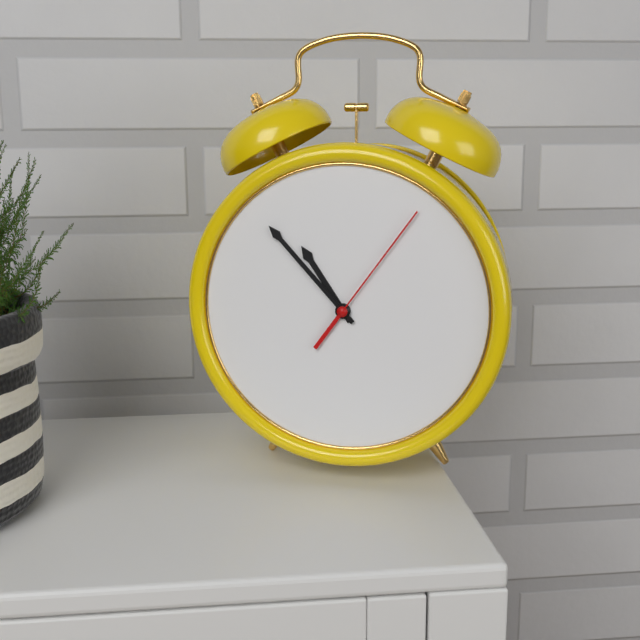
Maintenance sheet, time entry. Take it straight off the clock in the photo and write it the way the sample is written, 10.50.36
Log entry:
10.53.06
